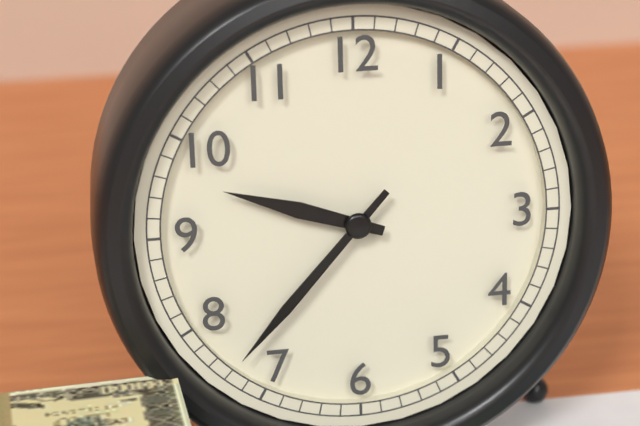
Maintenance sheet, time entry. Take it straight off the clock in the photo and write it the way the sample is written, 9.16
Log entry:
9.37
